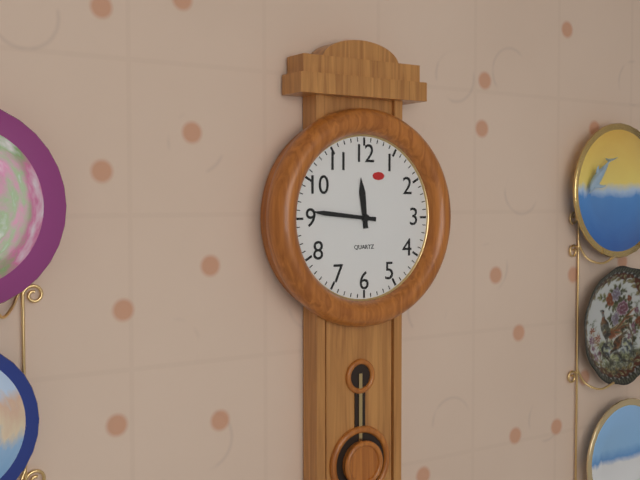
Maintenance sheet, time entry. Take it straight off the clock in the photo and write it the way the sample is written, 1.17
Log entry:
11.46
